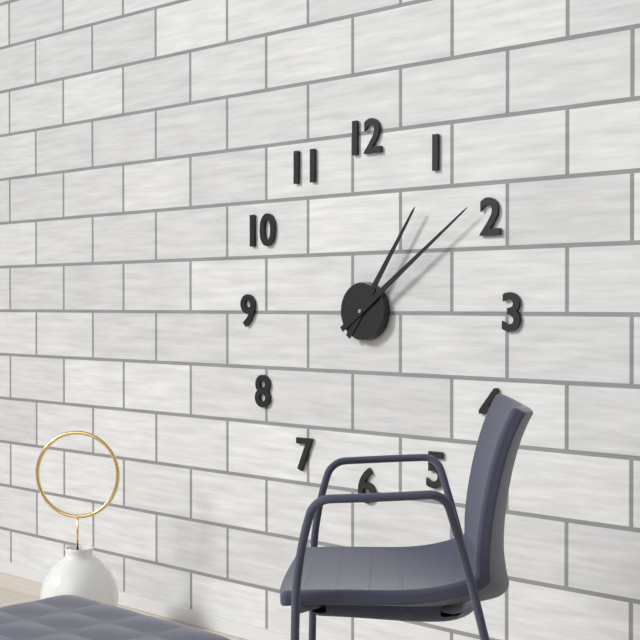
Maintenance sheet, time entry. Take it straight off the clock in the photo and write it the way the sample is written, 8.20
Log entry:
1.09
